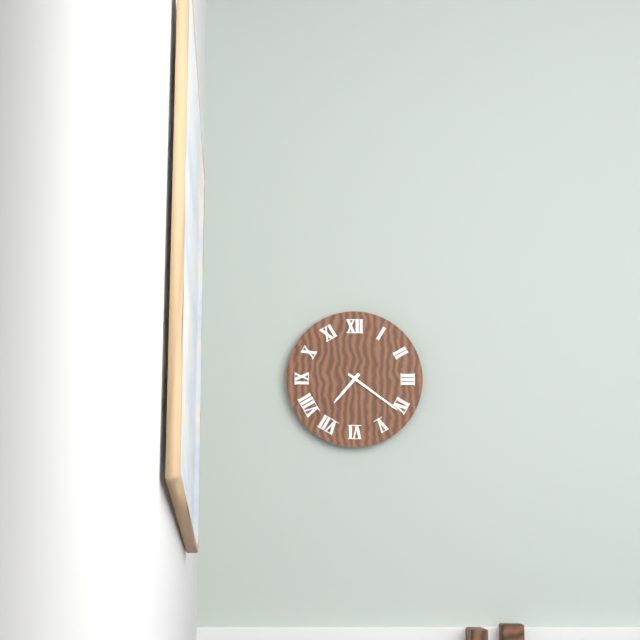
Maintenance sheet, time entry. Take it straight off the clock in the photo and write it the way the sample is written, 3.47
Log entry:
7.21
